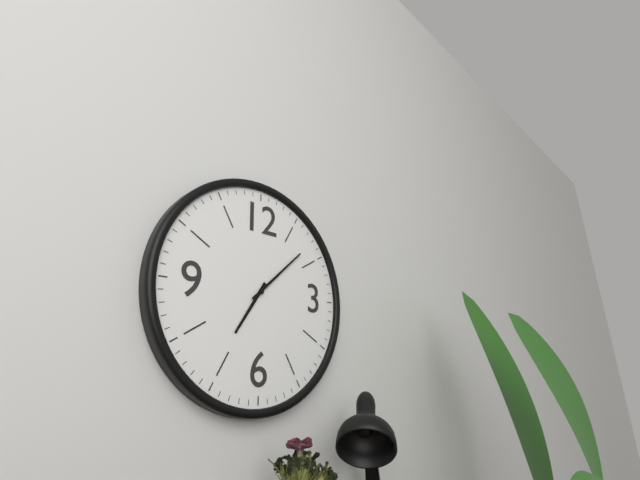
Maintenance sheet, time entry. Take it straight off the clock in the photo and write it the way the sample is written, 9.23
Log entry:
7.08
